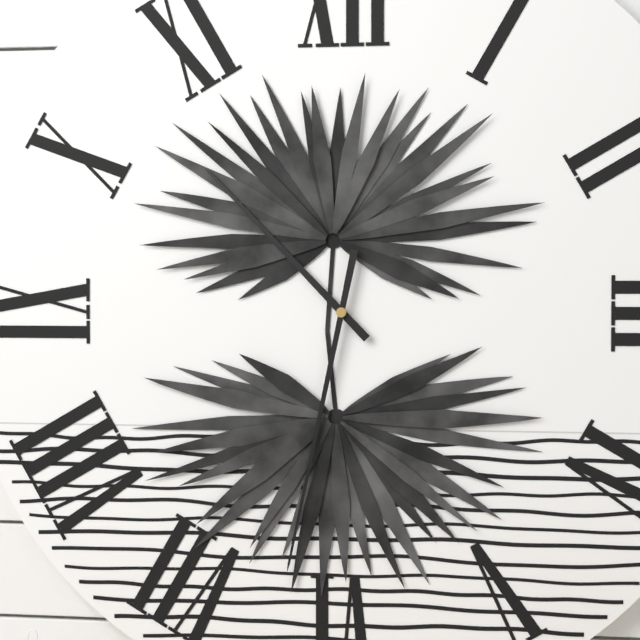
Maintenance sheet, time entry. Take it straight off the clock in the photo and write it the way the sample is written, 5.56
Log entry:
10.32
